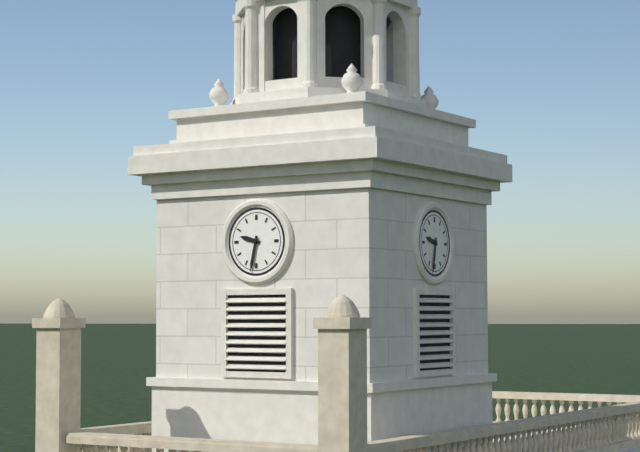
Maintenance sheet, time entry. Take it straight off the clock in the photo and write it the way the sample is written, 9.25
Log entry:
9.32
